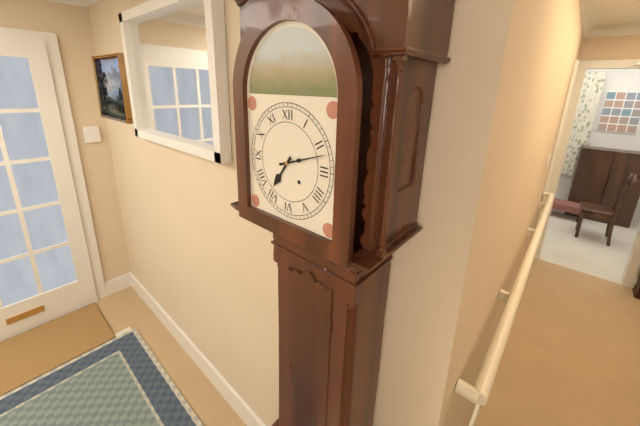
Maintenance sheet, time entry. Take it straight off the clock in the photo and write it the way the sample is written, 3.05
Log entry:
7.12
